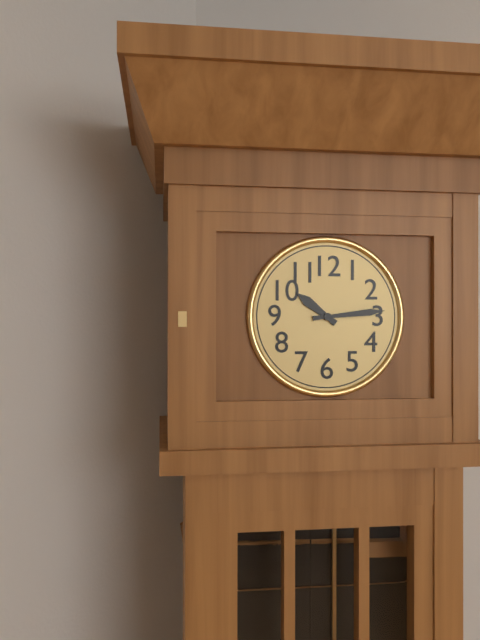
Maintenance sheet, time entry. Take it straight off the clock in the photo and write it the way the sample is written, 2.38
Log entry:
10.14
